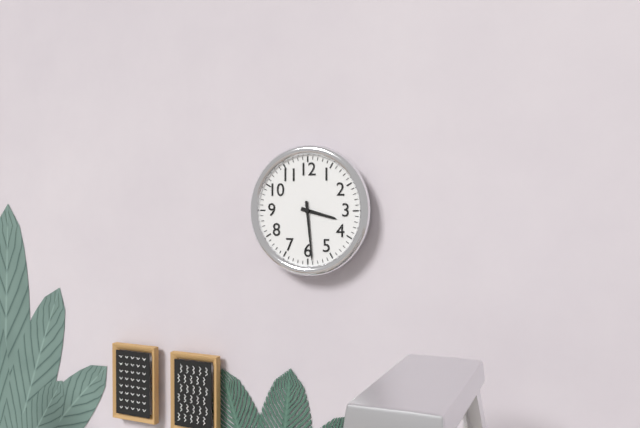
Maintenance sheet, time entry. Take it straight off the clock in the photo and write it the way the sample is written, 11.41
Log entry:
3.29
